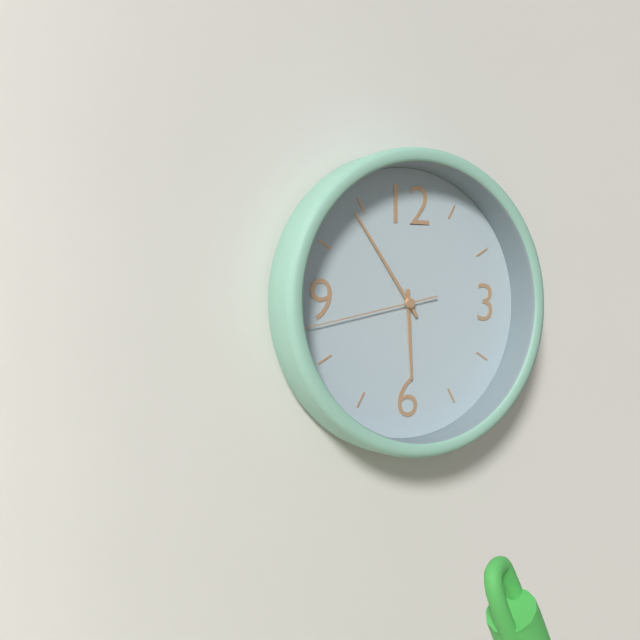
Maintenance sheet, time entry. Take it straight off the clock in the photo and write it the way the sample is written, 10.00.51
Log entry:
5.54.43
